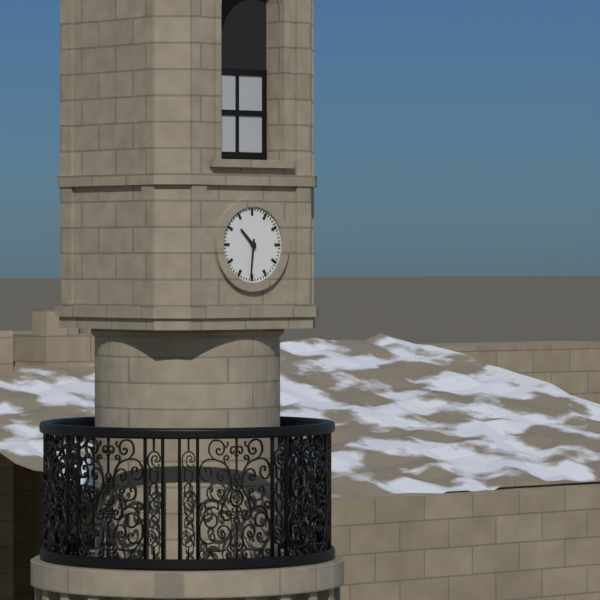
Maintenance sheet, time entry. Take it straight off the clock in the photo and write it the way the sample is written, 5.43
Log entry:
10.31
